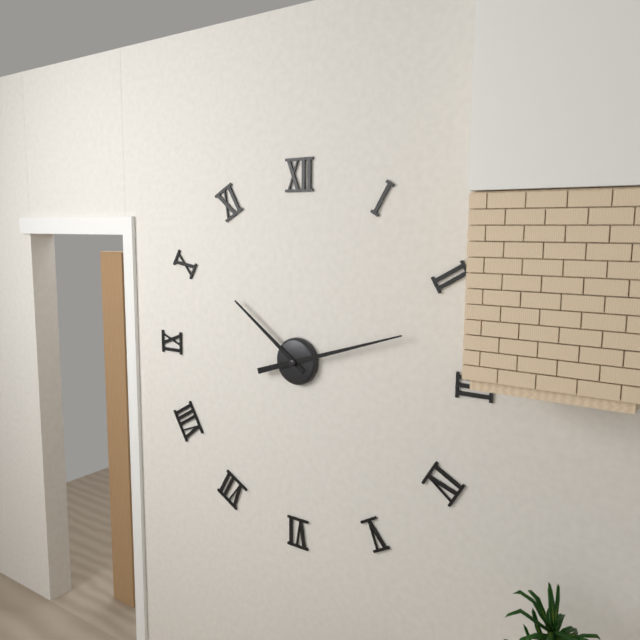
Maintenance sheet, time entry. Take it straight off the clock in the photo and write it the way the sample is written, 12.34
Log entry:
10.12
